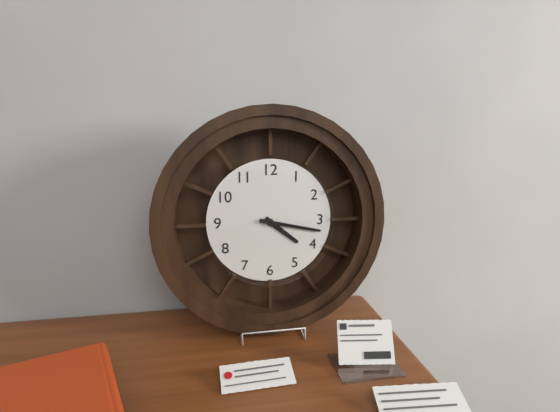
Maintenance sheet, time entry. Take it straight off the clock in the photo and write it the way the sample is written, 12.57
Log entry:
4.17
